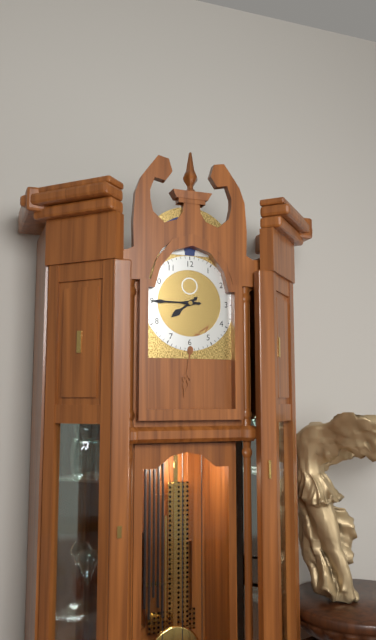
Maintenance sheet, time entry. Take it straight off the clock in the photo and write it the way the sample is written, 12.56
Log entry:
7.45
